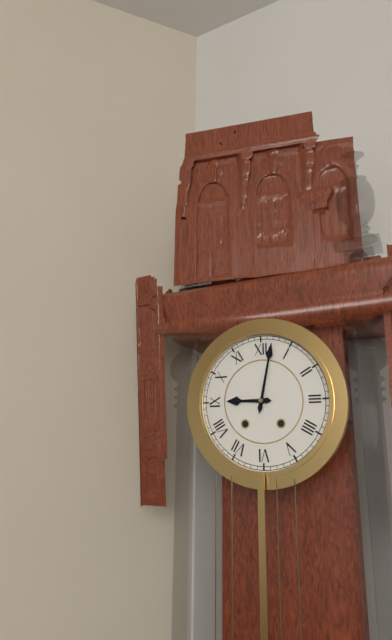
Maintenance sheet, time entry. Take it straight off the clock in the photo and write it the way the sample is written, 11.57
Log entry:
9.02
